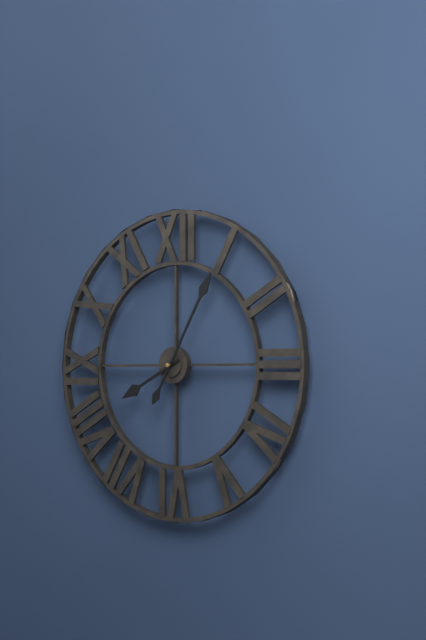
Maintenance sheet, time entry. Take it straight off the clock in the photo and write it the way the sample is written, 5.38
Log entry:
8.05
